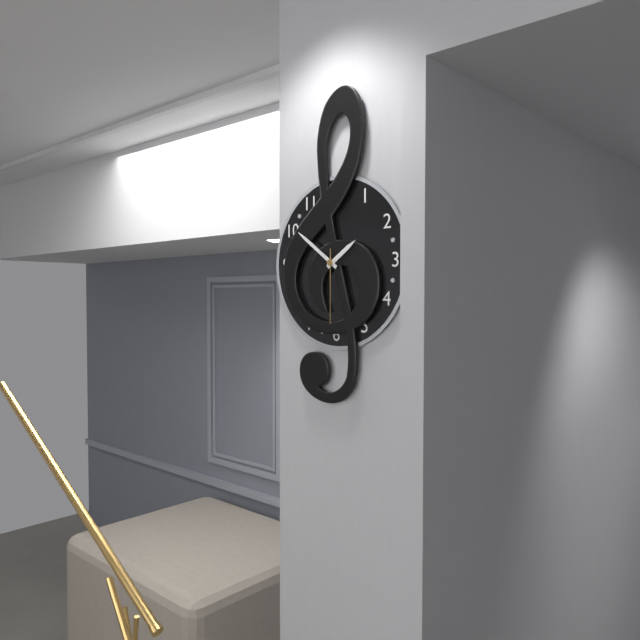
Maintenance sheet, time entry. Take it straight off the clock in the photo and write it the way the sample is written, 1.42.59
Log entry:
1.51.30
